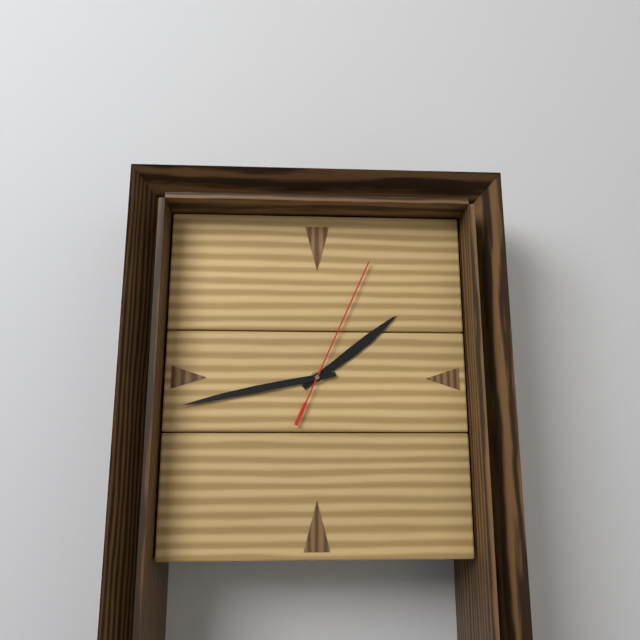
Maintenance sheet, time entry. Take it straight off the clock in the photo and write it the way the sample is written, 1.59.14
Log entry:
1.43.04
